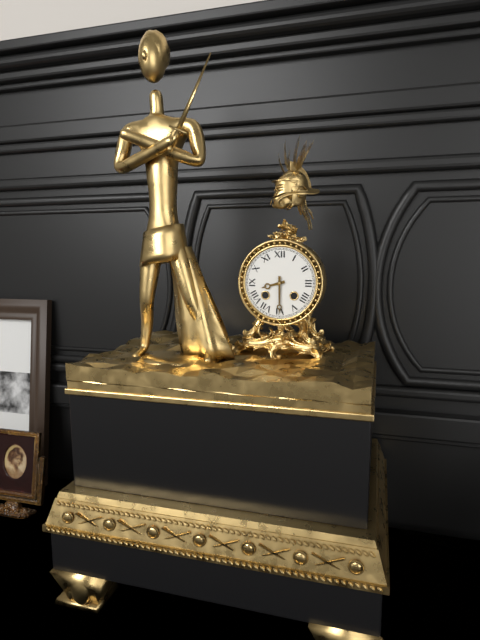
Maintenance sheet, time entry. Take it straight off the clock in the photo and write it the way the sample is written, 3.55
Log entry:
8.30
